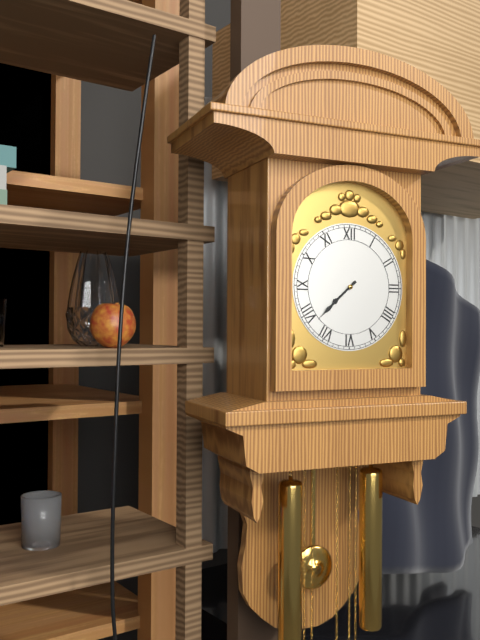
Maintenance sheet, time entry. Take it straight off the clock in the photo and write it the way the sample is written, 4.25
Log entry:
7.38
